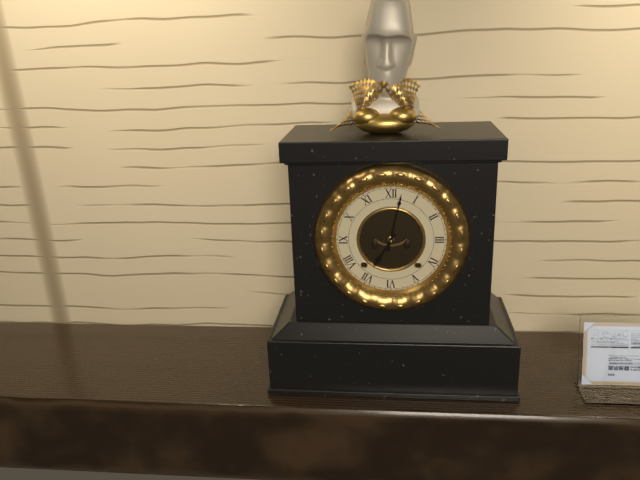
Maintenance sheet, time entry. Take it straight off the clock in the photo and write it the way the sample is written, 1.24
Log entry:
7.02
